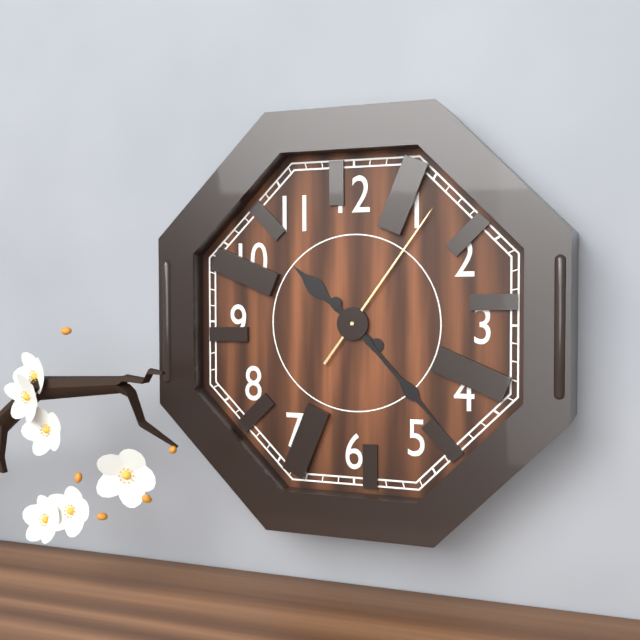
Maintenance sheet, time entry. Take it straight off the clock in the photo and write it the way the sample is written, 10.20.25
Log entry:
10.23.06
